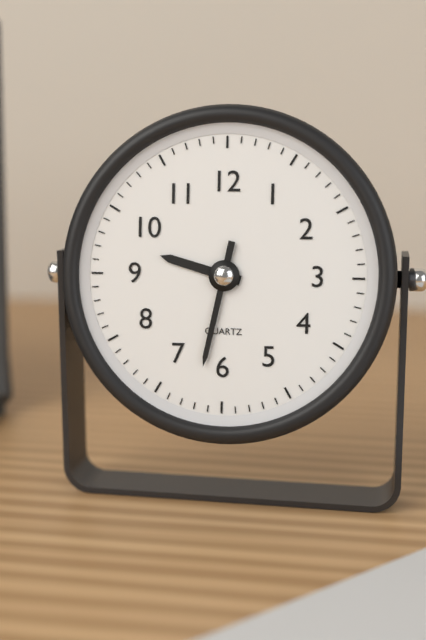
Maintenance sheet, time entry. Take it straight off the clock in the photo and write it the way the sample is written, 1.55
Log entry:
9.32
